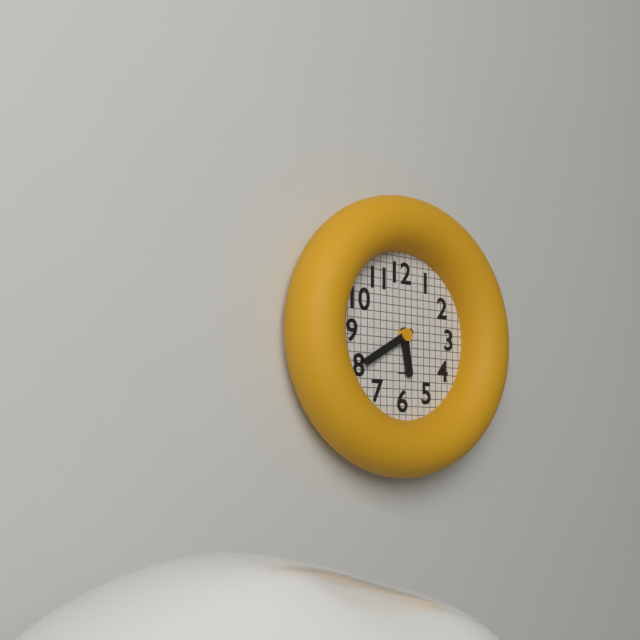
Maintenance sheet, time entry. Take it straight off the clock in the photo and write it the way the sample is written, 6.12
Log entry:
5.40
